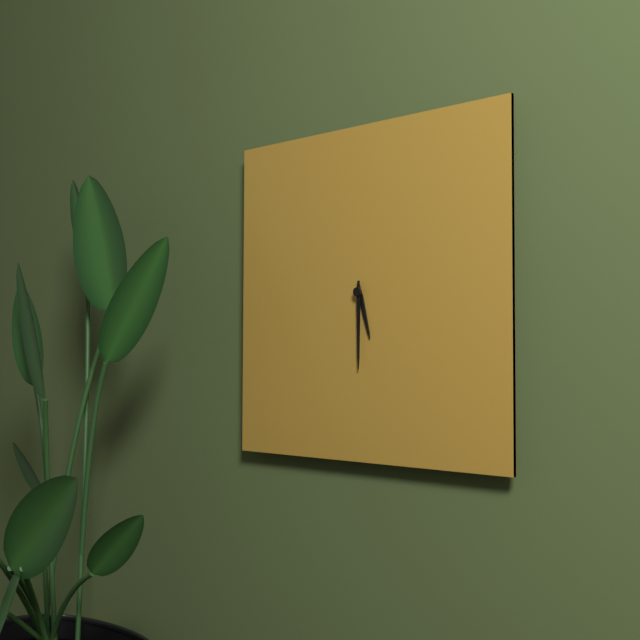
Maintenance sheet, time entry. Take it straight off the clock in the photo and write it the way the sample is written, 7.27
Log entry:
5.30
